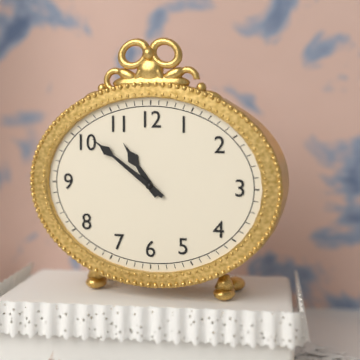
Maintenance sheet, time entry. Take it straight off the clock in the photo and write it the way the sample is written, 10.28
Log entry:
10.51
